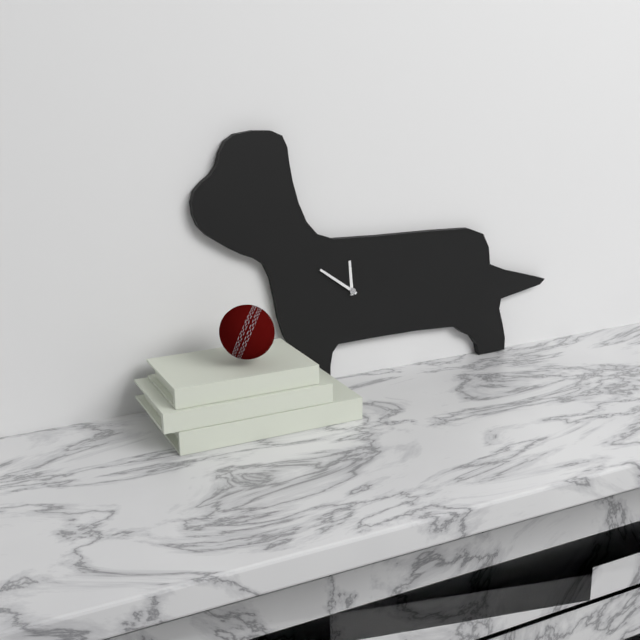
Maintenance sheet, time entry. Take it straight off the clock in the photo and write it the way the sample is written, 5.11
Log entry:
11.51
